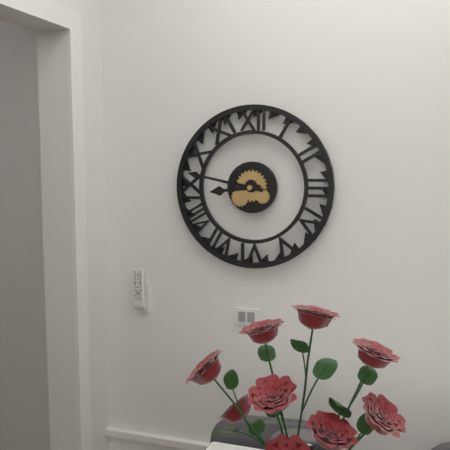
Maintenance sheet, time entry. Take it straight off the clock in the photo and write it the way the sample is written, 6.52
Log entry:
8.47
